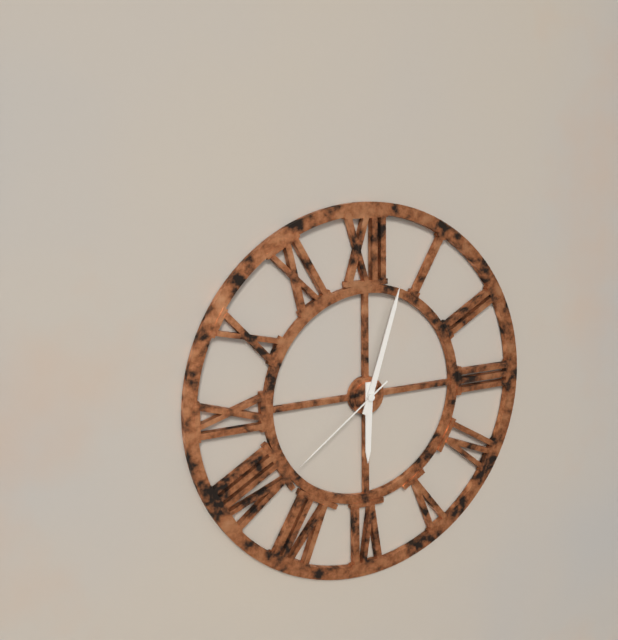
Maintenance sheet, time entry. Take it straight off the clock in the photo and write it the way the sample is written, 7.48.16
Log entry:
6.03.39
